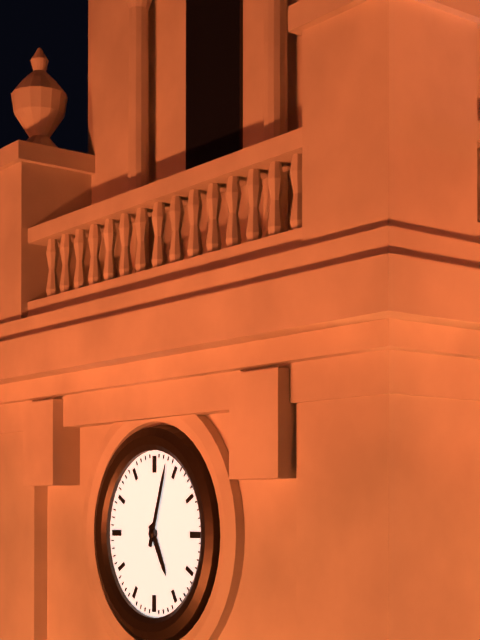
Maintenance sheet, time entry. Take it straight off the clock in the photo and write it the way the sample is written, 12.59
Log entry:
5.03
